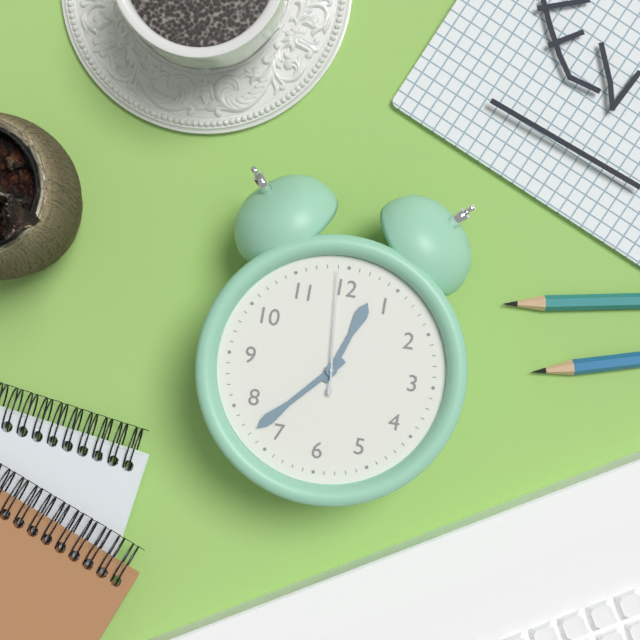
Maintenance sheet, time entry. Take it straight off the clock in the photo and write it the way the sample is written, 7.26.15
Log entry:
12.37.59
